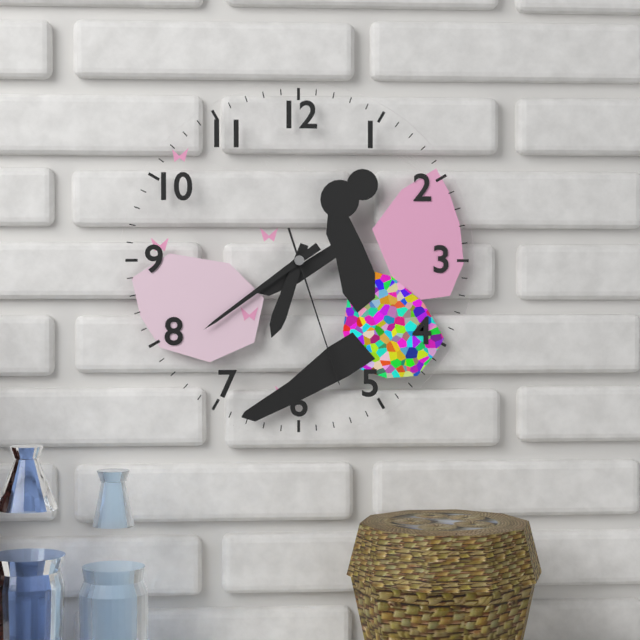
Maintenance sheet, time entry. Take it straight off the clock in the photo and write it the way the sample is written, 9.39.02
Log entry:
6.39.27
